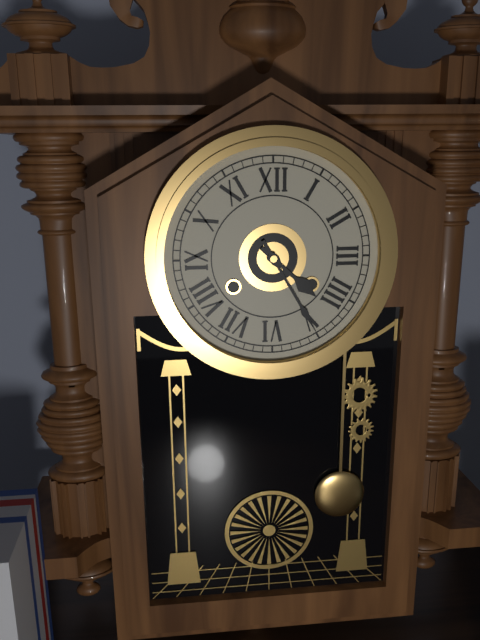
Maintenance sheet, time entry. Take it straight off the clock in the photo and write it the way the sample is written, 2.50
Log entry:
4.25
